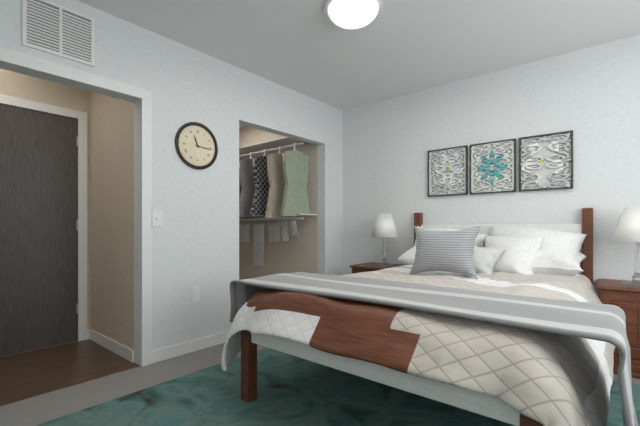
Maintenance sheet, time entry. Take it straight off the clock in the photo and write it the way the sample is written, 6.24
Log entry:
11.16
